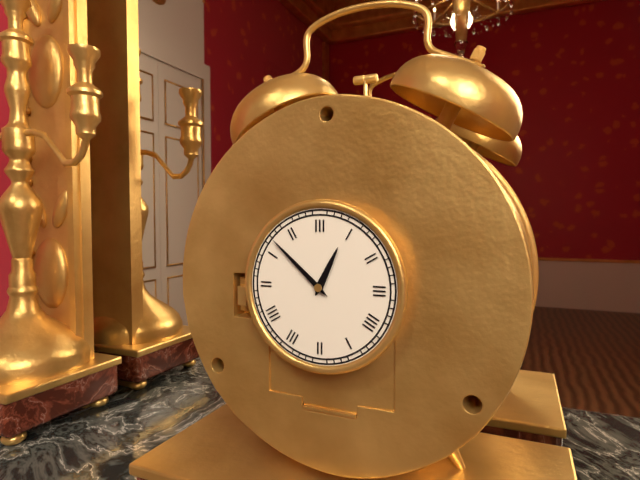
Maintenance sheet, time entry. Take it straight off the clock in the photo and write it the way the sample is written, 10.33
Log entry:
12.52
